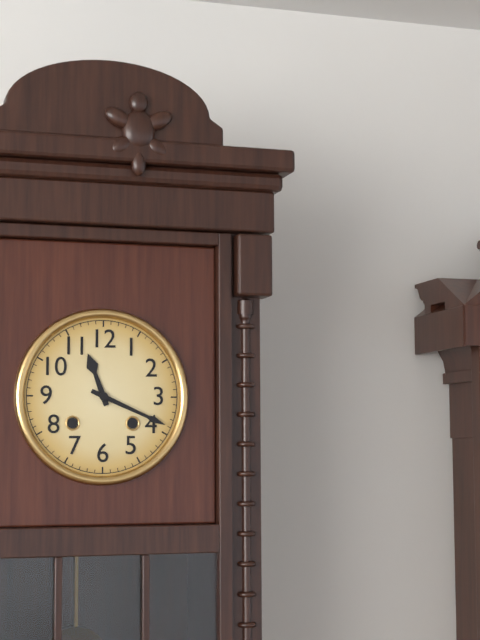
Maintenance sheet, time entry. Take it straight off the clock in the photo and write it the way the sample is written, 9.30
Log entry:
11.19
